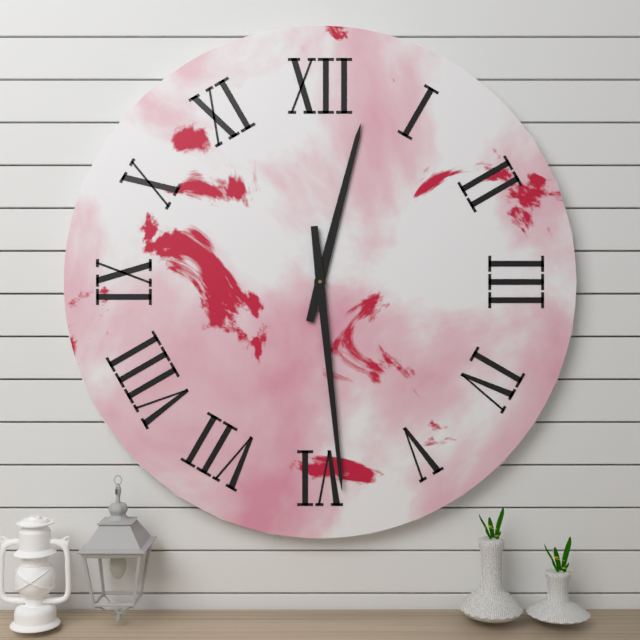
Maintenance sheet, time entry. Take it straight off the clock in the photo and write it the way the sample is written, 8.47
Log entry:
12.29
